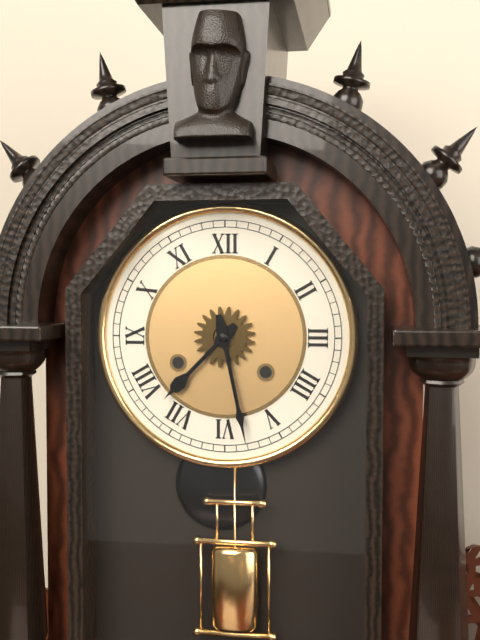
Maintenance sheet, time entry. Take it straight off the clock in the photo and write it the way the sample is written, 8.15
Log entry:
7.28
